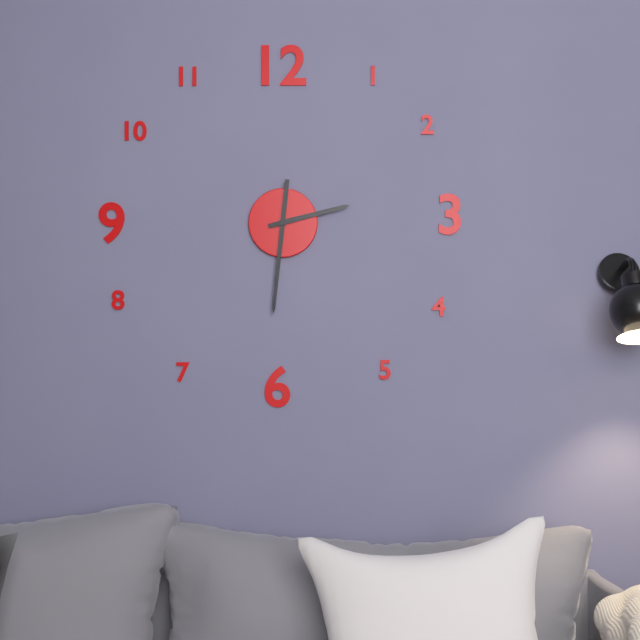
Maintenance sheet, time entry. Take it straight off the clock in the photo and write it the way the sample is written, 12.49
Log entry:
2.31
